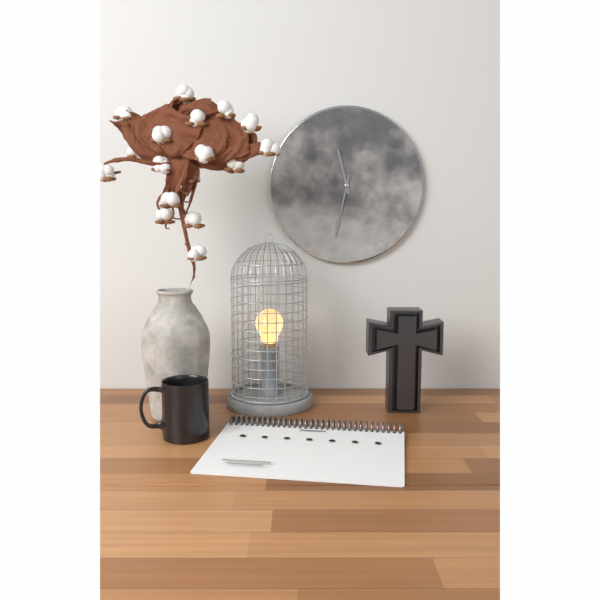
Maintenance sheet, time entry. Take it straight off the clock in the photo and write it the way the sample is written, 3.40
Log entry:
11.32
